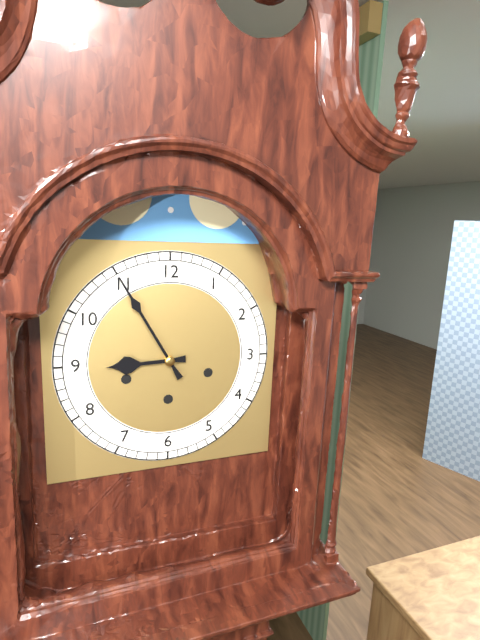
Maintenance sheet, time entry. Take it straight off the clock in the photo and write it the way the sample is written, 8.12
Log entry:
8.55
